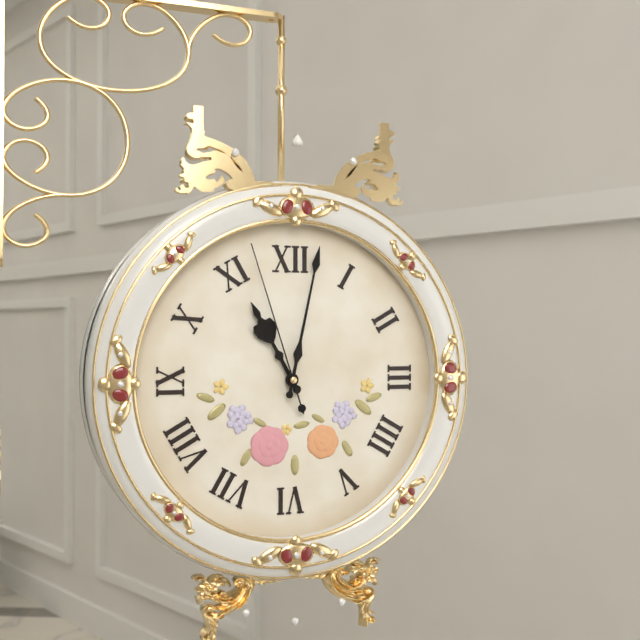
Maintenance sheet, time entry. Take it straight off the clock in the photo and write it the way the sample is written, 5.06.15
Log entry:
11.02.57
